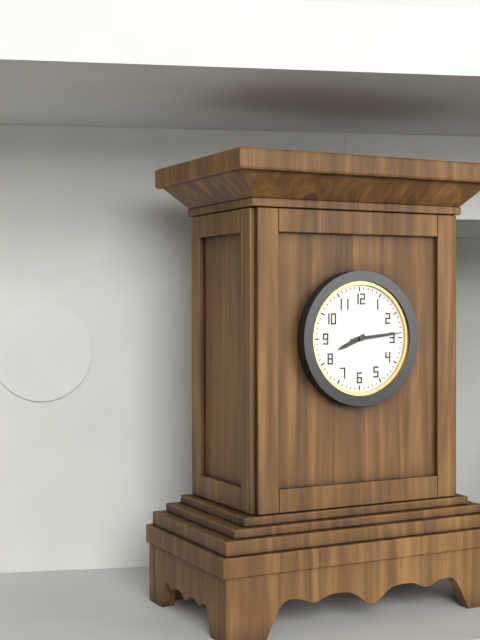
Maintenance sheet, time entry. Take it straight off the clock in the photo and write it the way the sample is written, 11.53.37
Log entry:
8.14.14
